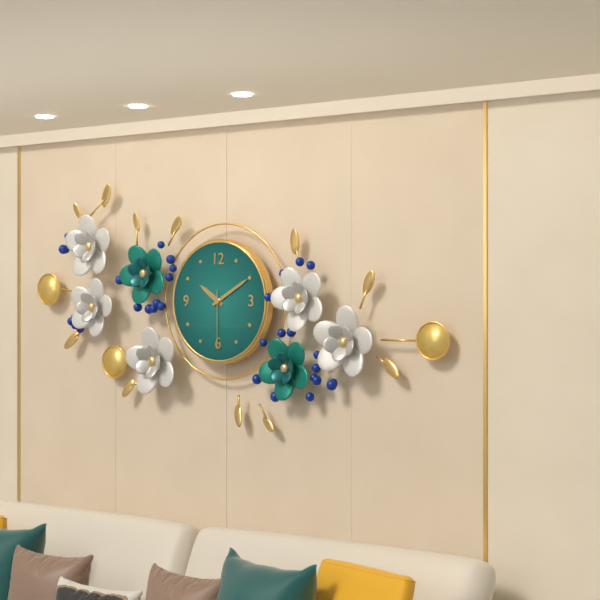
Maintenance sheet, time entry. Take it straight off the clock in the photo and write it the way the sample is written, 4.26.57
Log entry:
10.10.30
